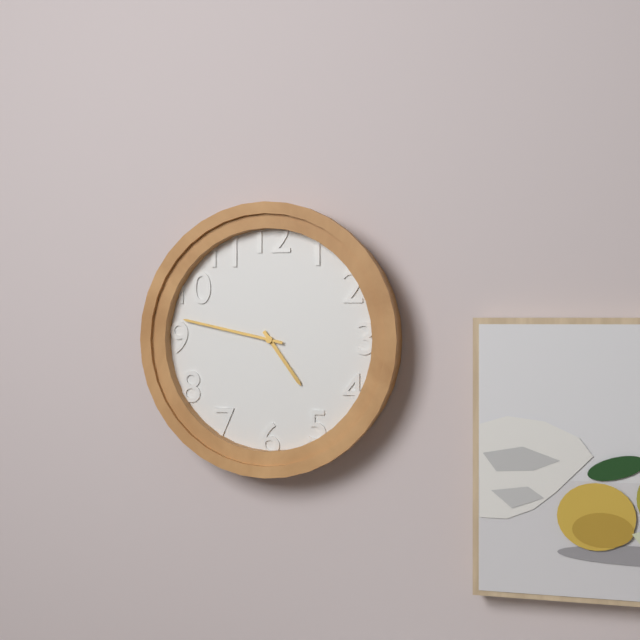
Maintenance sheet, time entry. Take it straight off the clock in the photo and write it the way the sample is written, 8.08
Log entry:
4.47
